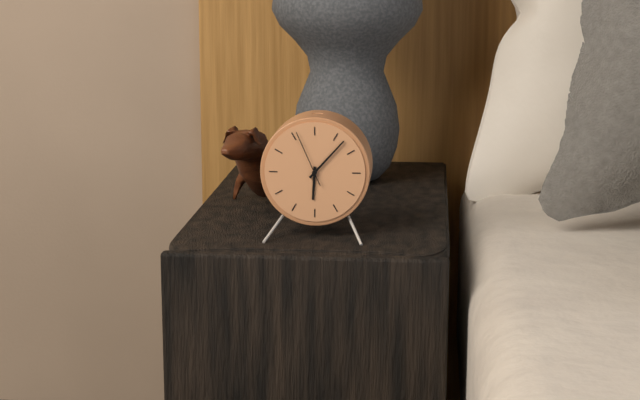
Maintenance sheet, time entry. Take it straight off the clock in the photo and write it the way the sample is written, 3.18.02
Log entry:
6.07.56
